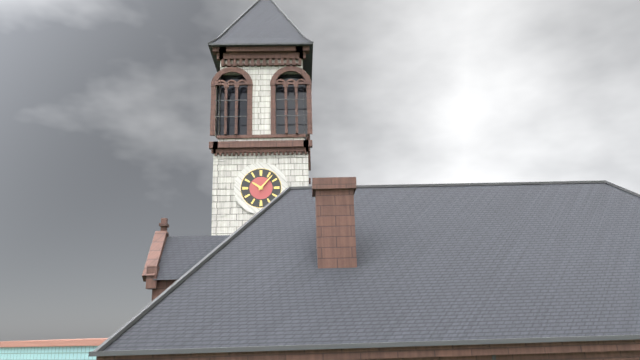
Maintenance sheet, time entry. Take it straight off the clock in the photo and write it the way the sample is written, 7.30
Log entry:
10.07
